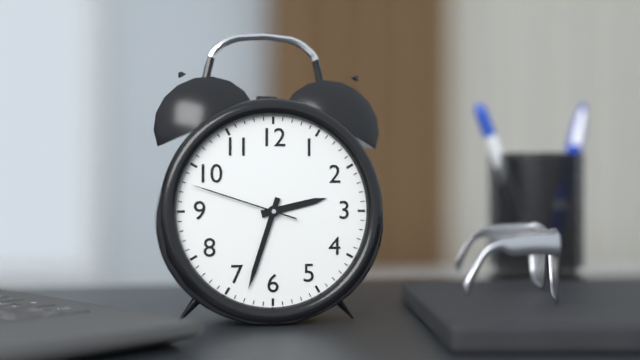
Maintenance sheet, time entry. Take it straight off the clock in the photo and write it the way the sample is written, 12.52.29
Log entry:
2.33.48
